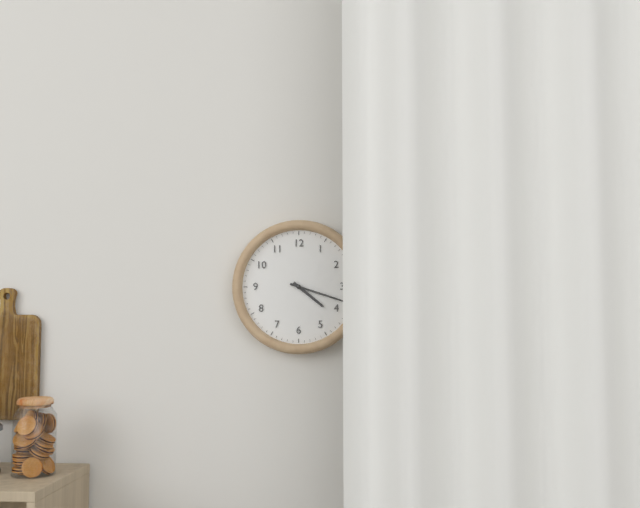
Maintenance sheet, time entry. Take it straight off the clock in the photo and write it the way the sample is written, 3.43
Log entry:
4.18
